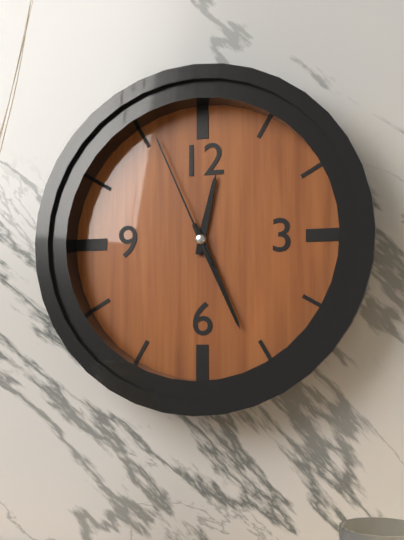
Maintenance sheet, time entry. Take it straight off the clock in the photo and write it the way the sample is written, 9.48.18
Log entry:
12.26.56
